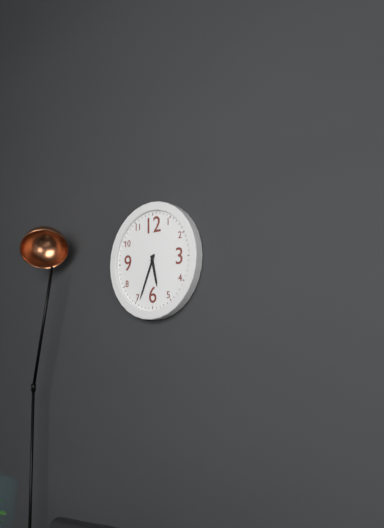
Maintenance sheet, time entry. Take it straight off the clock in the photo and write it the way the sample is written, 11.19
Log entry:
5.34
